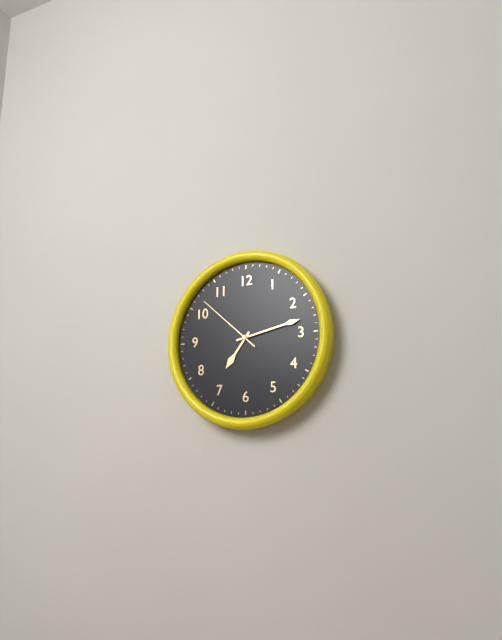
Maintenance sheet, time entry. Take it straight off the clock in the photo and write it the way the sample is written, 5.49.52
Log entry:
7.13.52
